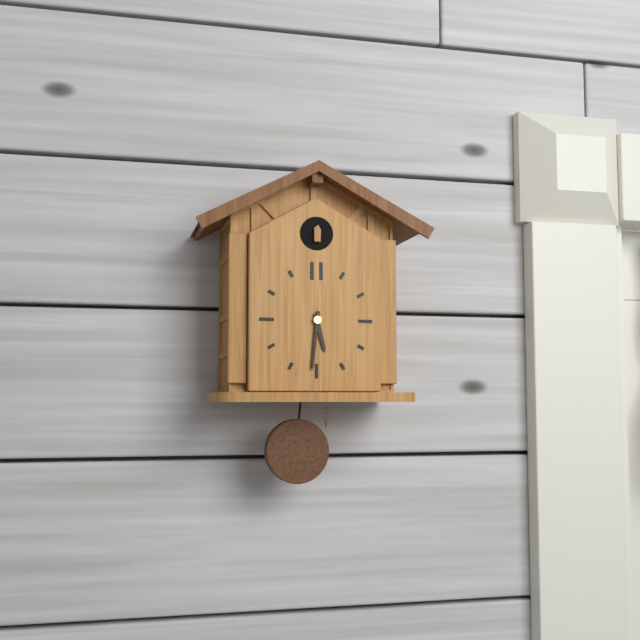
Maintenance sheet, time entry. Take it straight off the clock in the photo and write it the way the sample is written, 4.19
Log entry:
5.31
